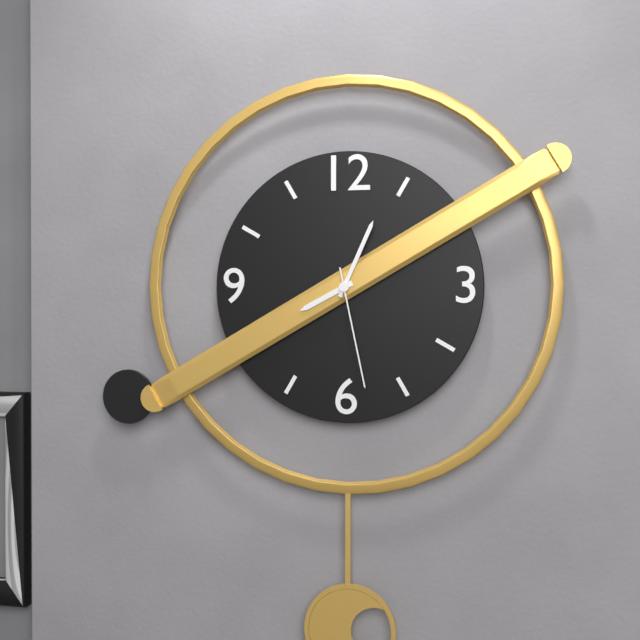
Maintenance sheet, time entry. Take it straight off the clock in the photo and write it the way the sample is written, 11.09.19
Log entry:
8.04.28
